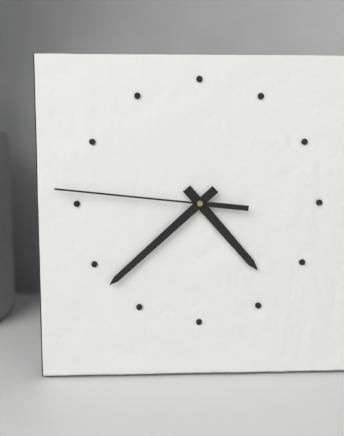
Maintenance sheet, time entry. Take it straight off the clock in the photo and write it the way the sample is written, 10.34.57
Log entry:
4.38.46
